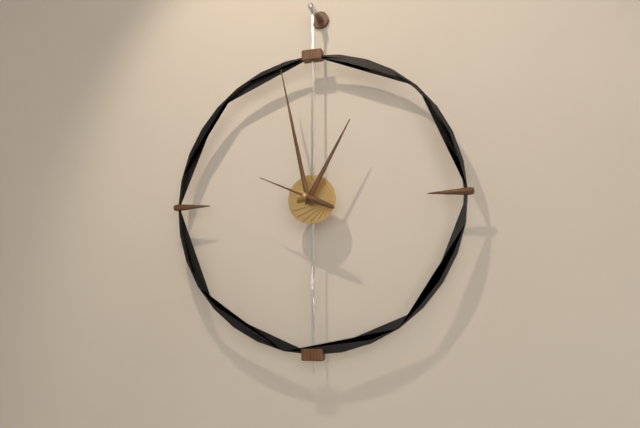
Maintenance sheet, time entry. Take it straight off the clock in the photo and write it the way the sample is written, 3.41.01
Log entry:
12.58.49
